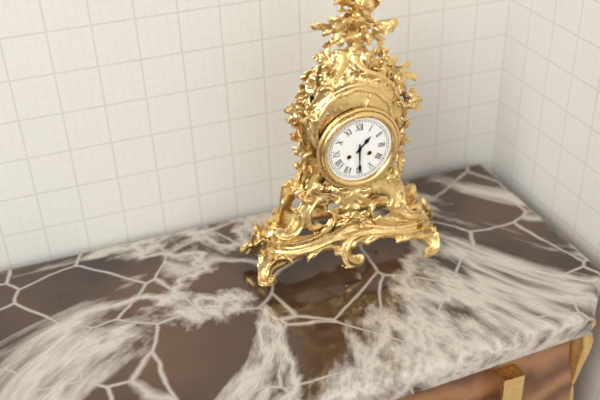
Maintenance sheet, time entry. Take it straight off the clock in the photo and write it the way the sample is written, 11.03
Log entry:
1.30
